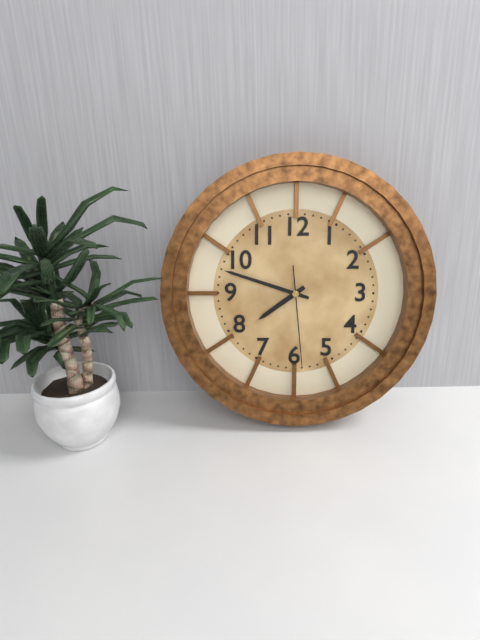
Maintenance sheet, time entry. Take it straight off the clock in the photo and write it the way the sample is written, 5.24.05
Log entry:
7.48.29
